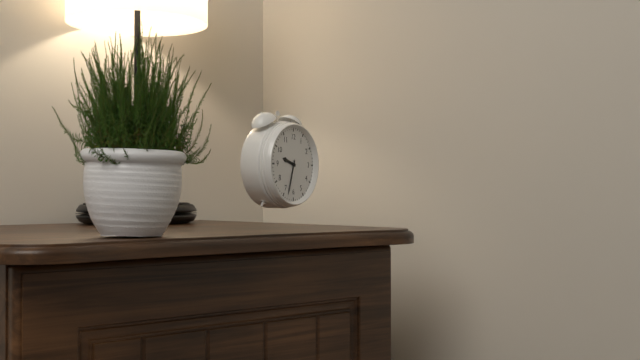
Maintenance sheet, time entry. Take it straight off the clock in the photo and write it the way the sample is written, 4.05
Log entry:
9.33
